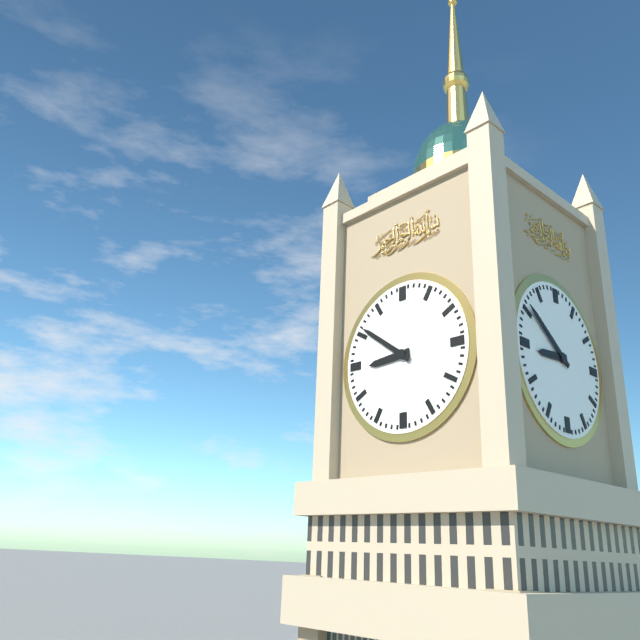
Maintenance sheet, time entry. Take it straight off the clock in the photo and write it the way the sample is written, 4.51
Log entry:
8.51
